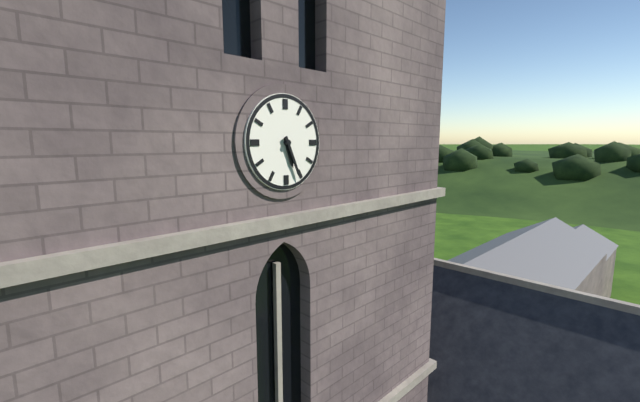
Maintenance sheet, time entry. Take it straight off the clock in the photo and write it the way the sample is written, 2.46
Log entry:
5.26
